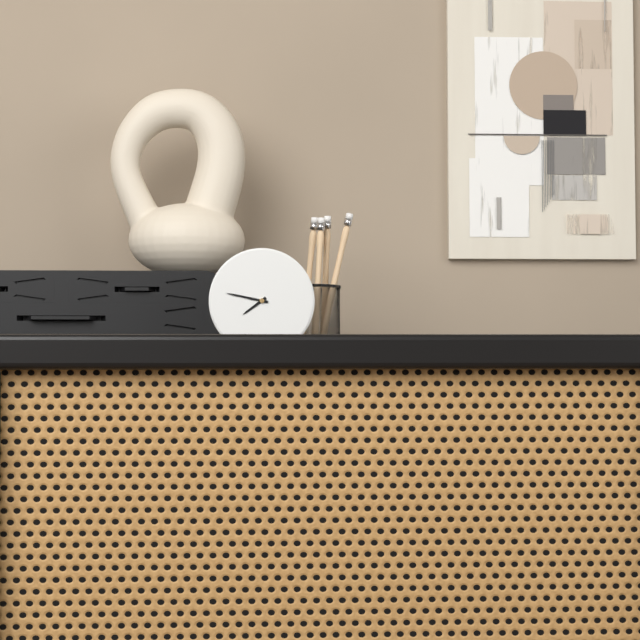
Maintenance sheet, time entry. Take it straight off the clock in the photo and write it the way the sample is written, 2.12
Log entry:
7.47
